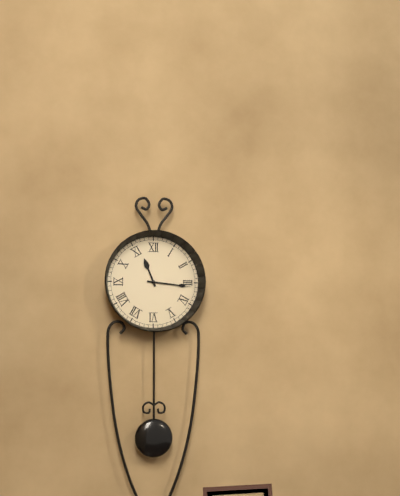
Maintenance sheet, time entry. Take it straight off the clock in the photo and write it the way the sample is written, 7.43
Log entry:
11.16
